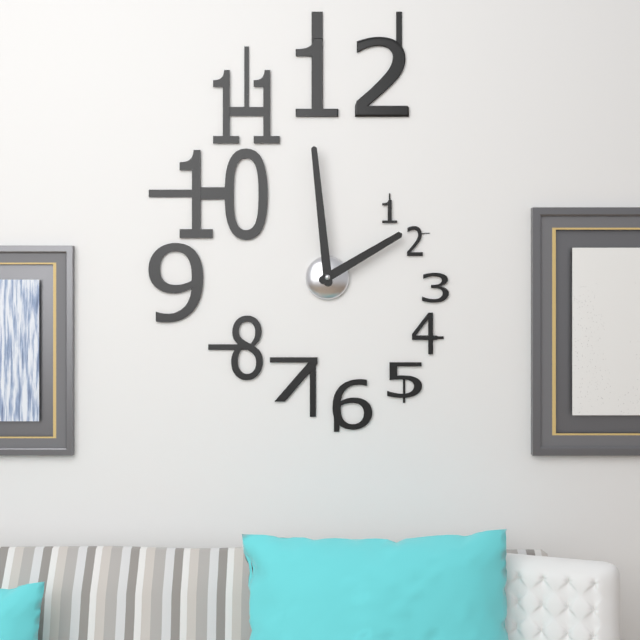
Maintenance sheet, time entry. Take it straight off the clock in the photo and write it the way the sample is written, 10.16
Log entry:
1.59
